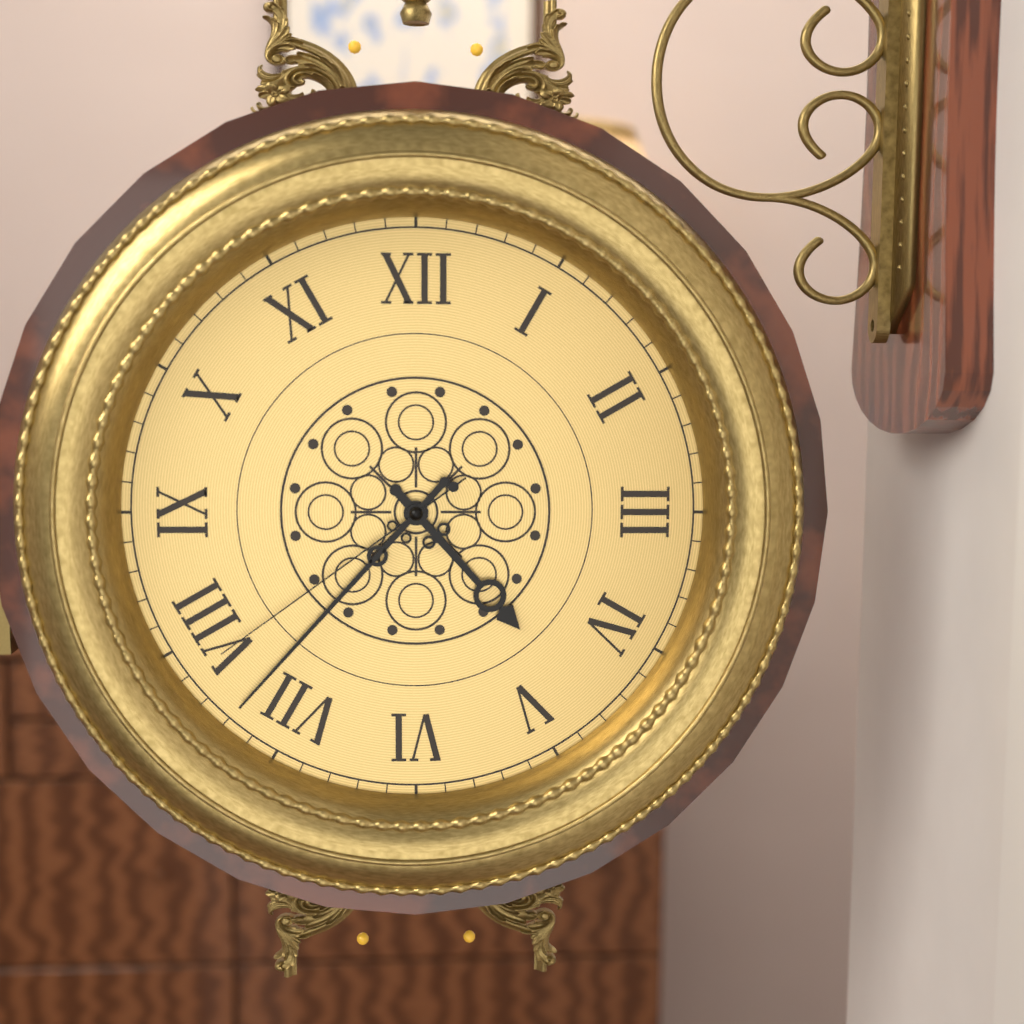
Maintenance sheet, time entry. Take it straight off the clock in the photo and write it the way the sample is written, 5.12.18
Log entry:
4.37.39
